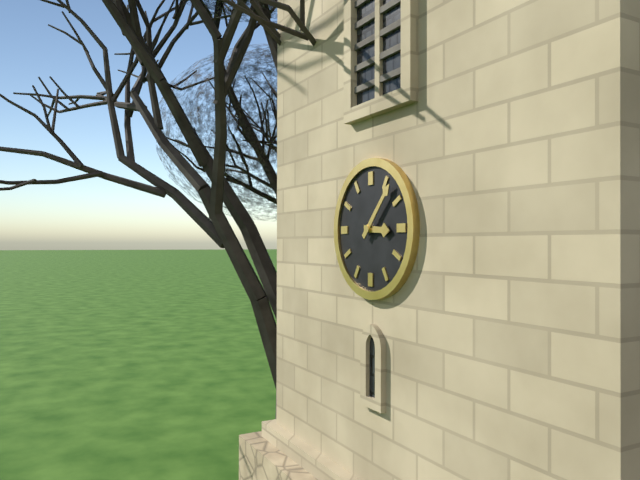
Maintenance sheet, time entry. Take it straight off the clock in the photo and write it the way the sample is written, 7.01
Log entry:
3.07
